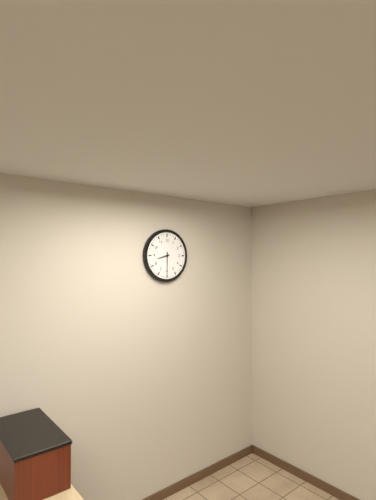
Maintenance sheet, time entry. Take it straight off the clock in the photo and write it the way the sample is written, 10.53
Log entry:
8.30
